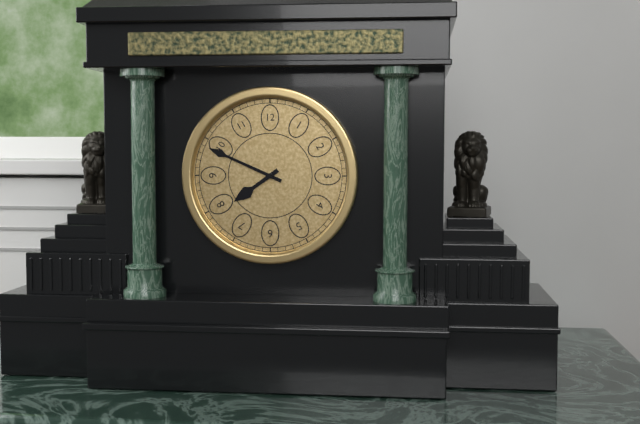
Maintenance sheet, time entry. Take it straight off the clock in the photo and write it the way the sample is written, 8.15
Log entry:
7.49
